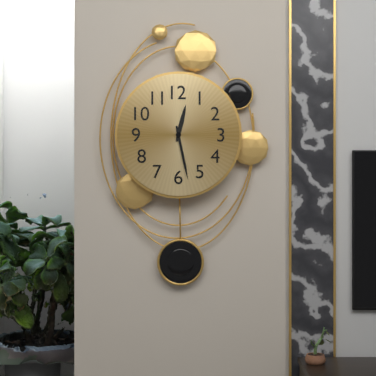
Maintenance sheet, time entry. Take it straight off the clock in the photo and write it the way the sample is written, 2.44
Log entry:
12.28
